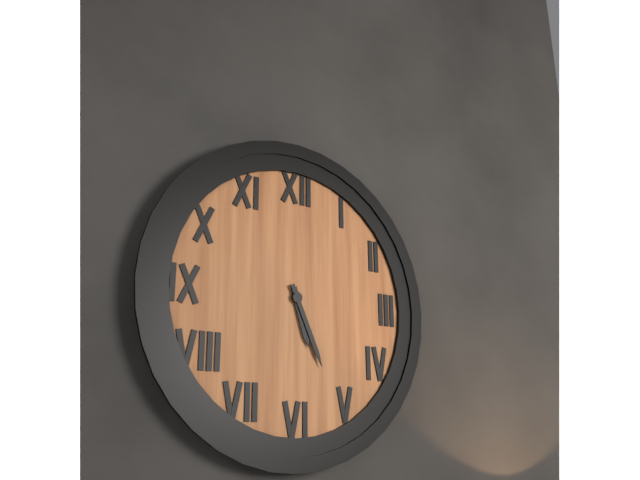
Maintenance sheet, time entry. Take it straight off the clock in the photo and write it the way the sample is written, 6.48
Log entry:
5.26
